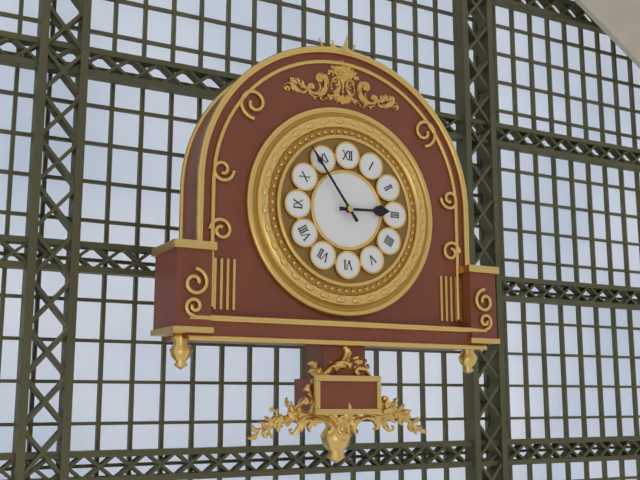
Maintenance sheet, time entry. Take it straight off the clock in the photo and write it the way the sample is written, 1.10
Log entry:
2.54
